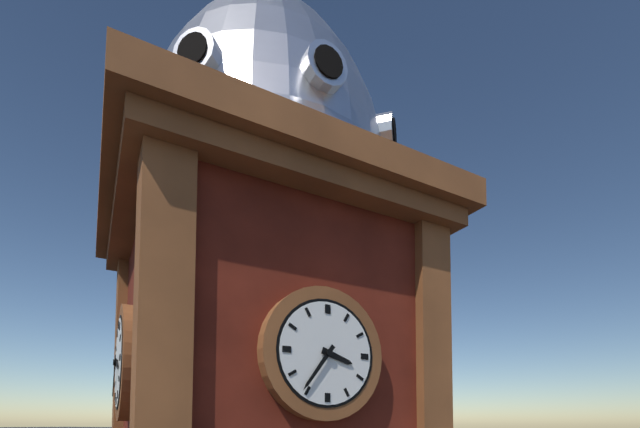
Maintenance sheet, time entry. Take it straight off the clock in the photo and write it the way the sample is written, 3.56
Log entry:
3.36
